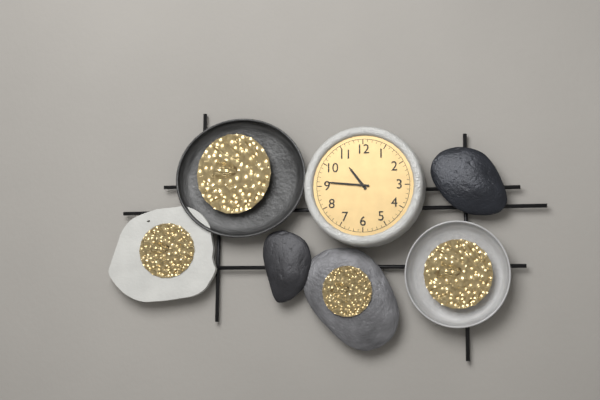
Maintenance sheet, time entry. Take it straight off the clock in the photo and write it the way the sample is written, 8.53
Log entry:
10.46
